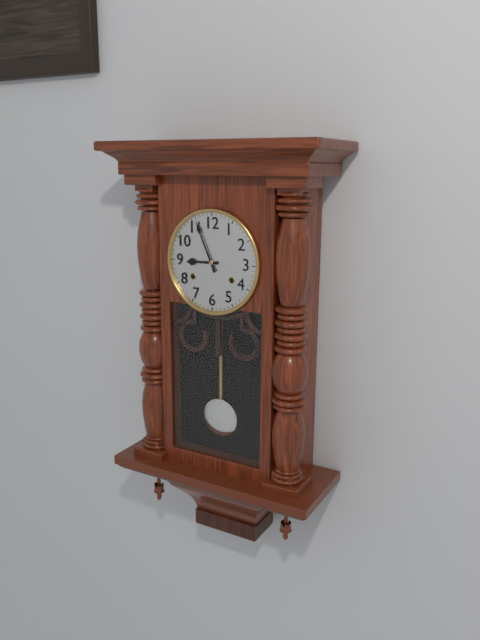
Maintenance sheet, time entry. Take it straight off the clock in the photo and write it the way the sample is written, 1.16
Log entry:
8.56
